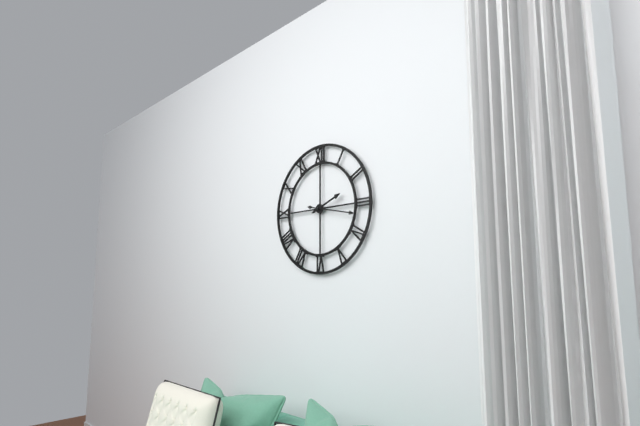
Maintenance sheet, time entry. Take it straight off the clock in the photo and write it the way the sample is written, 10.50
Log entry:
2.17
